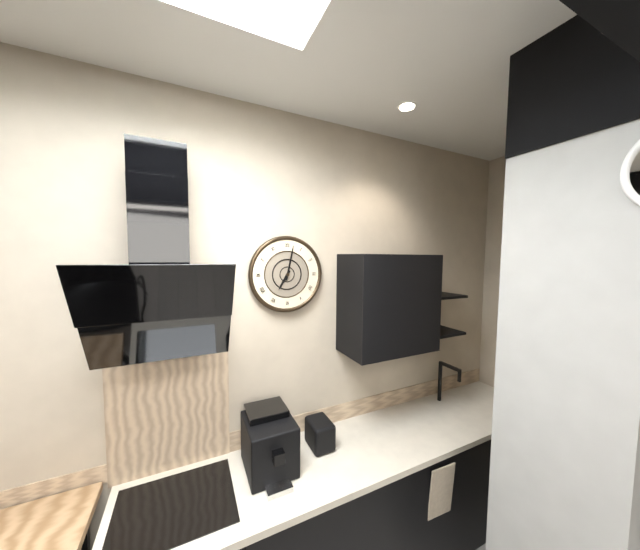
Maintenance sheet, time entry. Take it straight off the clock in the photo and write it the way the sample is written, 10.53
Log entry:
7.02
